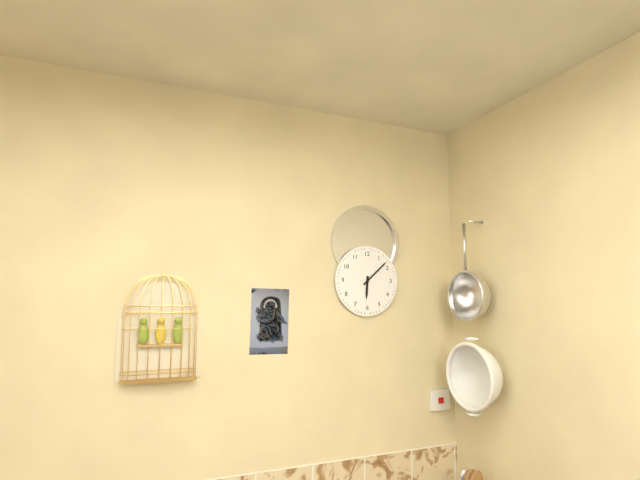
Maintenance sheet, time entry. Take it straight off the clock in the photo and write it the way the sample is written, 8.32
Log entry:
6.08
